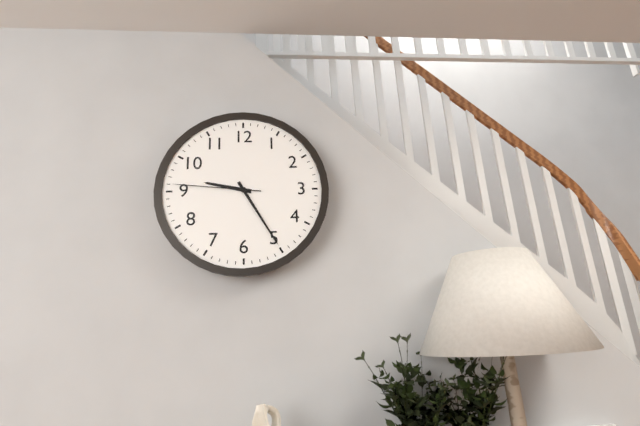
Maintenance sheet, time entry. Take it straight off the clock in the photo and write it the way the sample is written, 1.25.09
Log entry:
9.25.46
